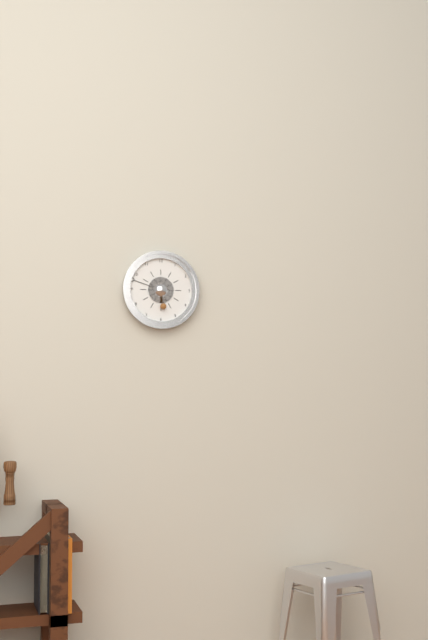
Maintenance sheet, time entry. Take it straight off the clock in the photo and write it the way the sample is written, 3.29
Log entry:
5.48
